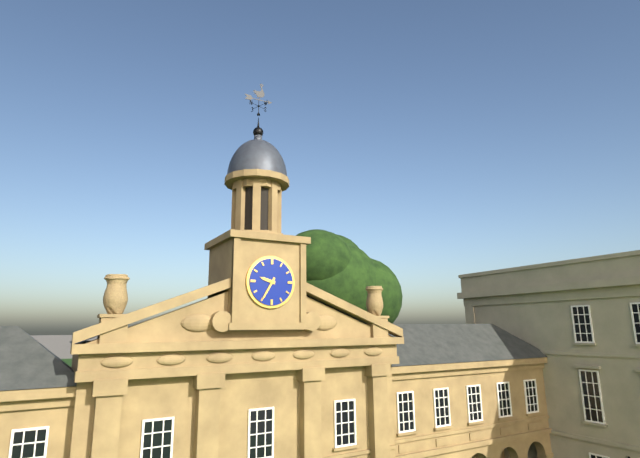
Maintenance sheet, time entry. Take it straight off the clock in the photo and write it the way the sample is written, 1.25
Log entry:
9.35
